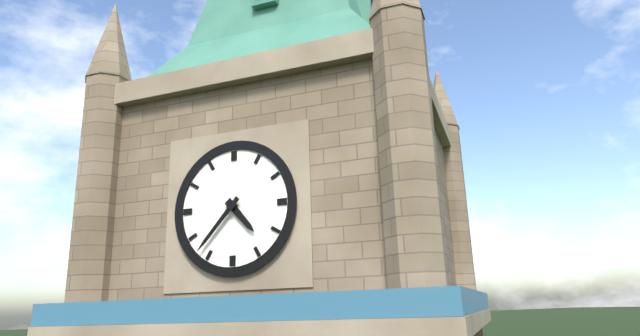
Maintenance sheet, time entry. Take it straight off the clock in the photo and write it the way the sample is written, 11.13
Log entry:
4.37
